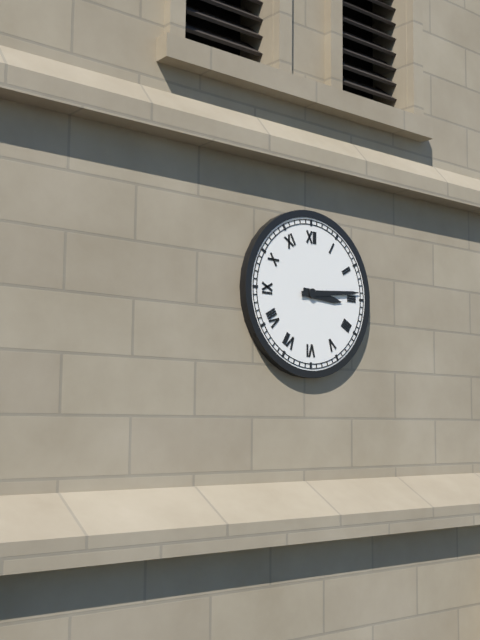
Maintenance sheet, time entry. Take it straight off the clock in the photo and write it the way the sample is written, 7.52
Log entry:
3.14
